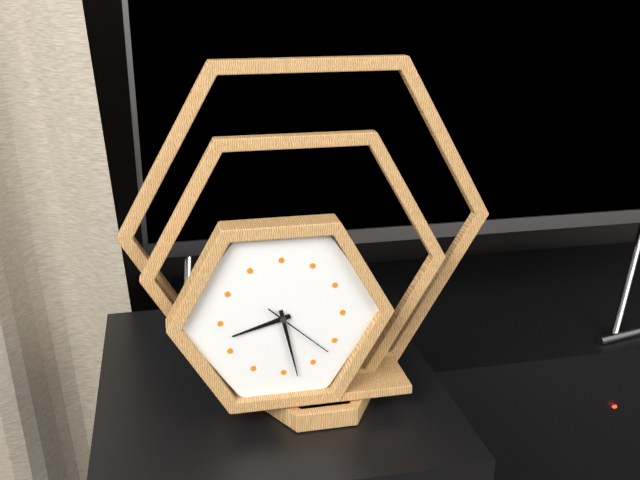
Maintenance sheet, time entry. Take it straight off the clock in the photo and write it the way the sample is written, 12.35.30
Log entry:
8.28.22
